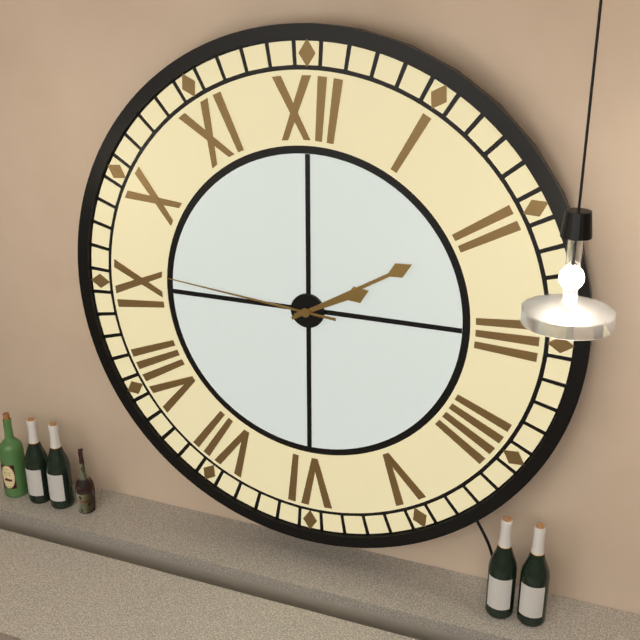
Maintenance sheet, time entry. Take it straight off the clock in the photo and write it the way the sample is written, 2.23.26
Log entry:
2.10.46
